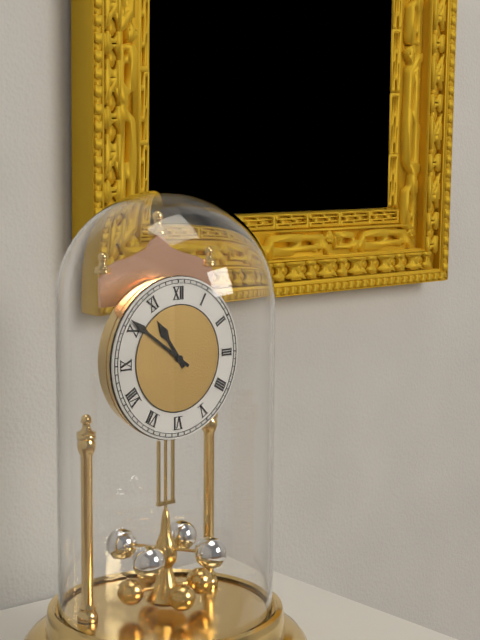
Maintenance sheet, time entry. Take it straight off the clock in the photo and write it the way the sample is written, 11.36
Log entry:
10.51
